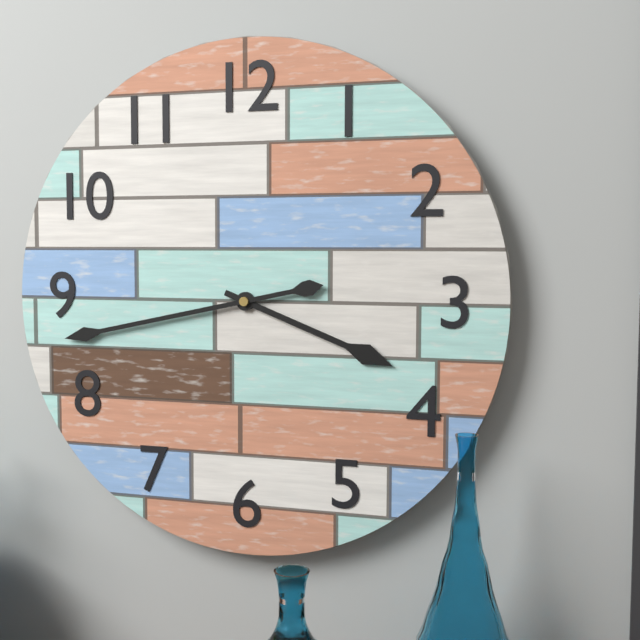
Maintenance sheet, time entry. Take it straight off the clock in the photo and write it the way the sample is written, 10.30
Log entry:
3.43
